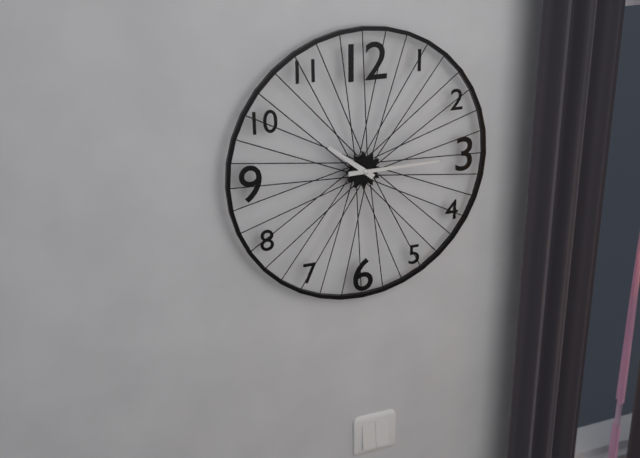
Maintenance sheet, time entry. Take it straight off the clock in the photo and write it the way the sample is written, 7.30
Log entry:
10.15
